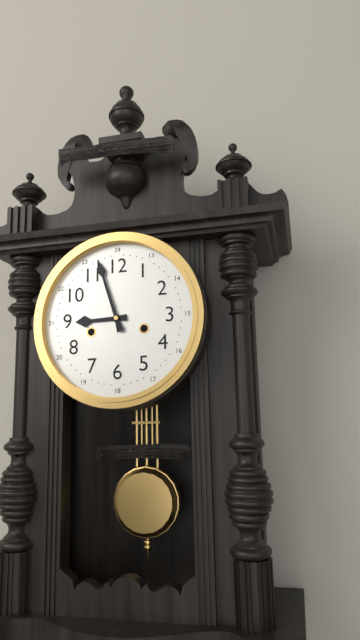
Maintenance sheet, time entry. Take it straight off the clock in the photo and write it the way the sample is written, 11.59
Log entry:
8.57
